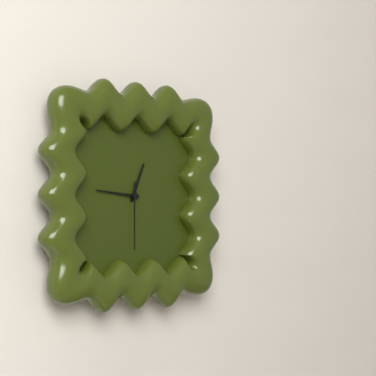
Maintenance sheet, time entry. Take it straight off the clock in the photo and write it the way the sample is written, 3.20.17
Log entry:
12.46.30
